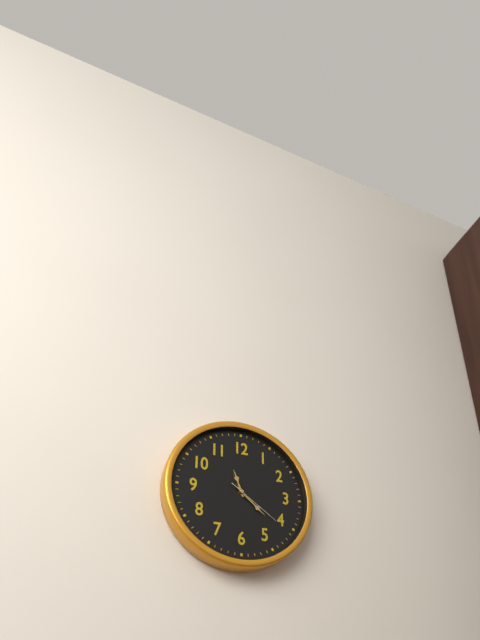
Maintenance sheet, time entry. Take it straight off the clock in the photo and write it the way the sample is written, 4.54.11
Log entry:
11.22.21
